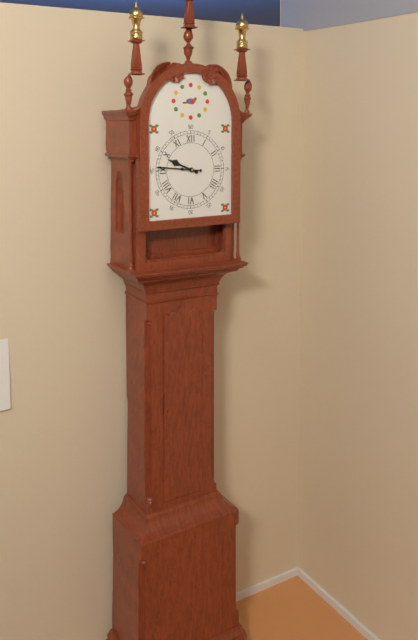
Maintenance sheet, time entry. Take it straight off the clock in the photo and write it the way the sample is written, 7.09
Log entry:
9.46
